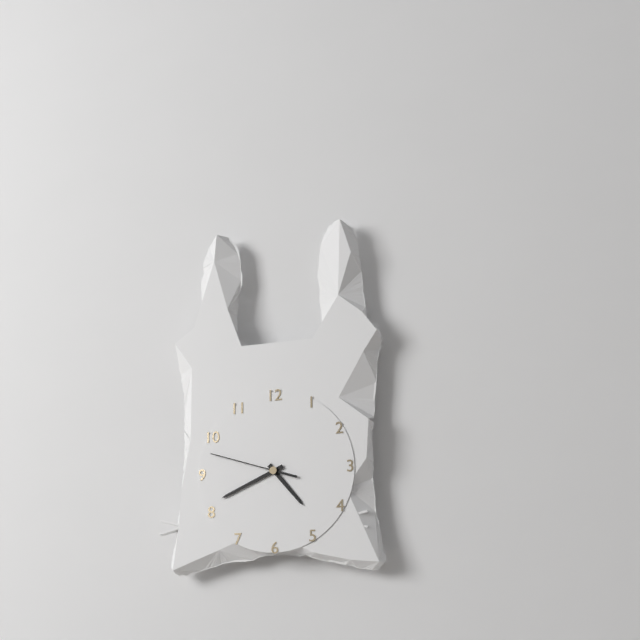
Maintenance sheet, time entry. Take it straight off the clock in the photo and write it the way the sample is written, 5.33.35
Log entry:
4.41.48
